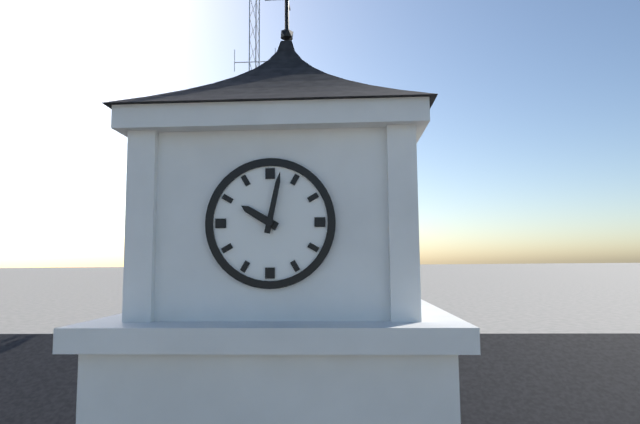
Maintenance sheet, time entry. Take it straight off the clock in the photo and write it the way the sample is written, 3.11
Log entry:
10.02
